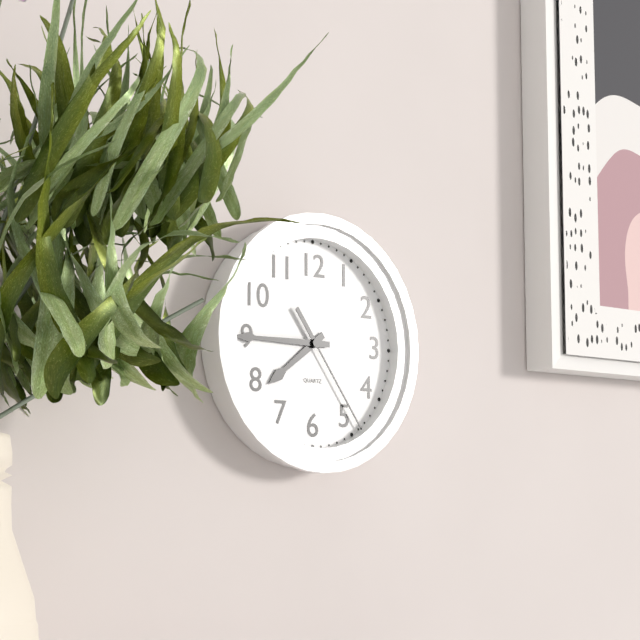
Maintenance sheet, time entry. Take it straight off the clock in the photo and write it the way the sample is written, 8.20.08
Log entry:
7.45.24
